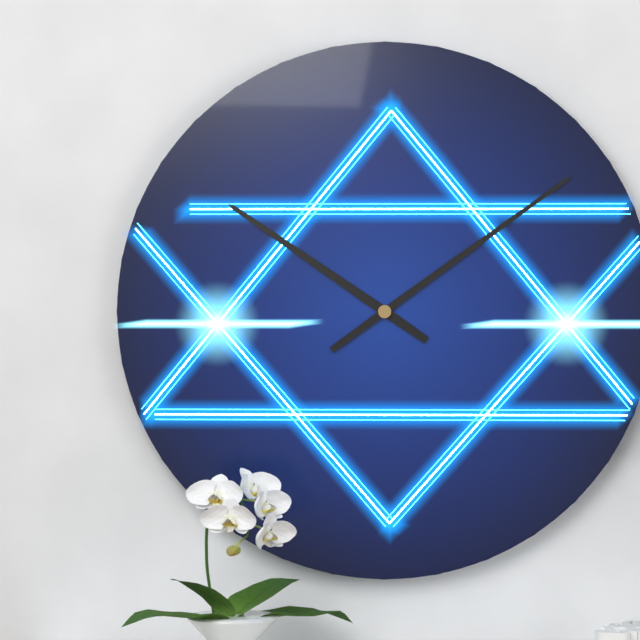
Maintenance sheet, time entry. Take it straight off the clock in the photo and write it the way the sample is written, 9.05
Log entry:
10.09
